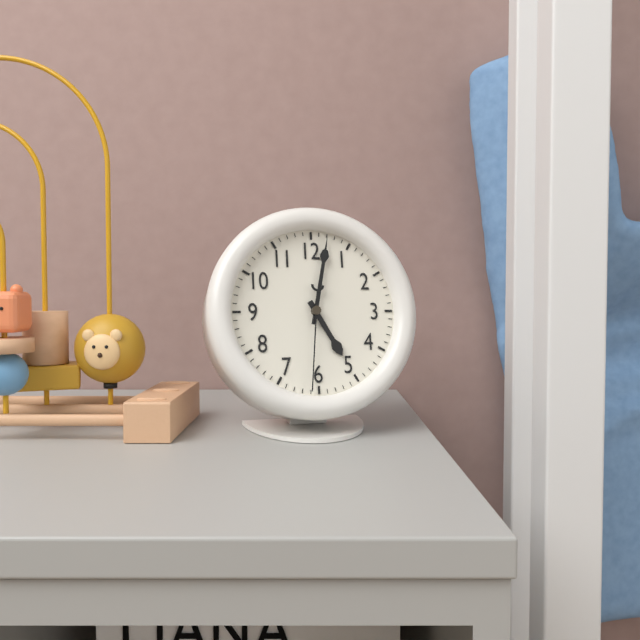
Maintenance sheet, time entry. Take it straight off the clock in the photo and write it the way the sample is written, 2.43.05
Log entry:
5.02.31
